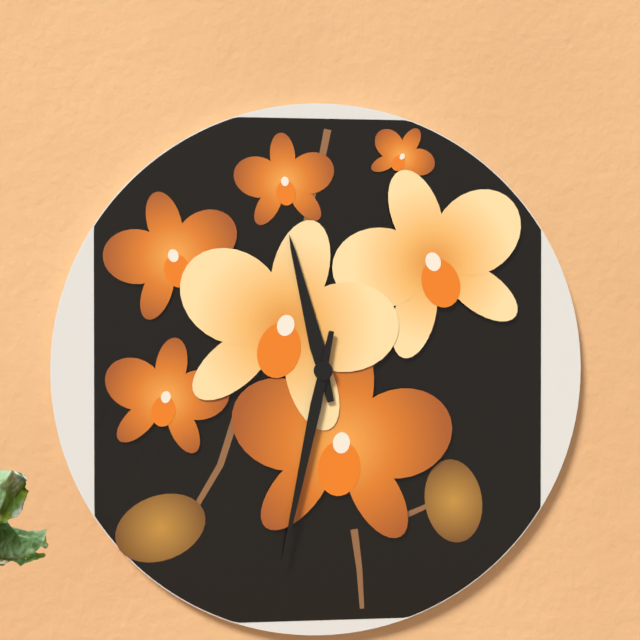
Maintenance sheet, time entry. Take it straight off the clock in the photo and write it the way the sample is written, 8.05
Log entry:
11.32
